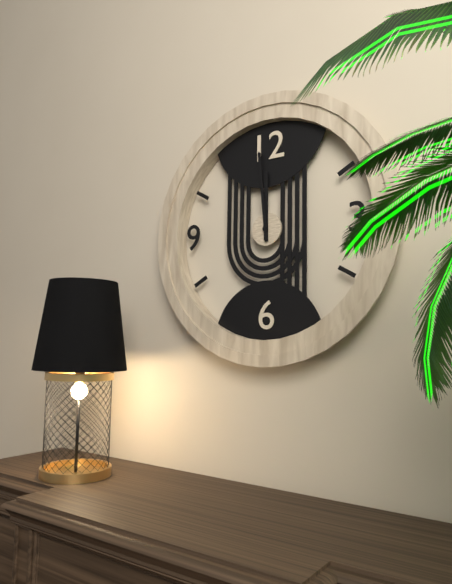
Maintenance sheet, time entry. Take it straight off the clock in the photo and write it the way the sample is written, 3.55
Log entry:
11.59
